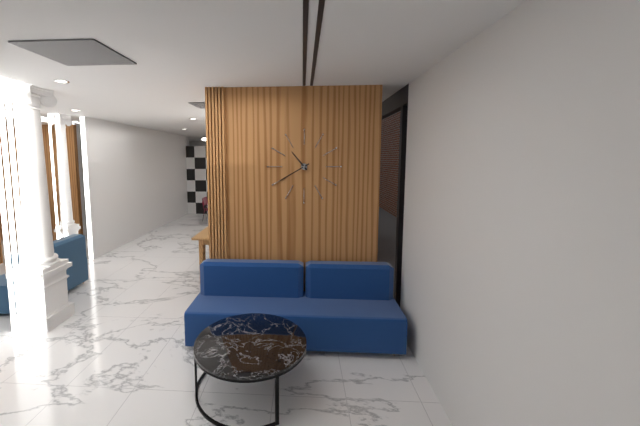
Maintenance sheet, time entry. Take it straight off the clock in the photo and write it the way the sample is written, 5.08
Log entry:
10.40
